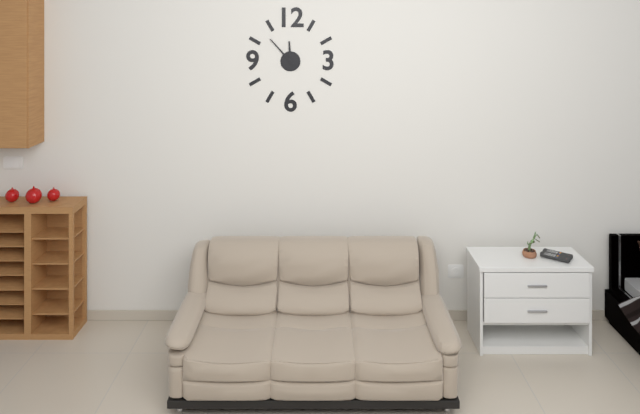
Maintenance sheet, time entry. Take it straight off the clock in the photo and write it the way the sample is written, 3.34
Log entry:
11.53
